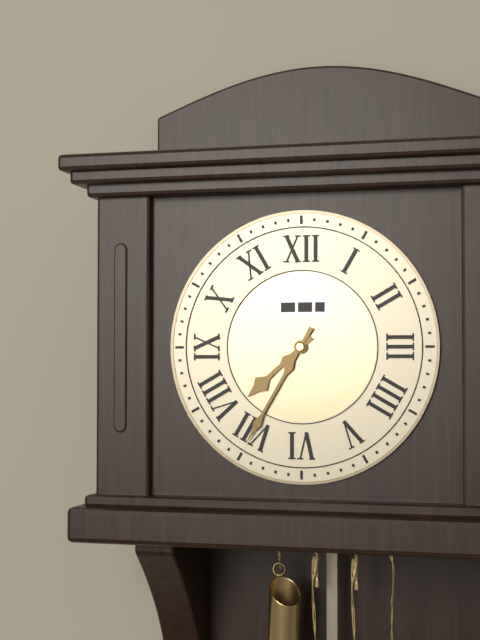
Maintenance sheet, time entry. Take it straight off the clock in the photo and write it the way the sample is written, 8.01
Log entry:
7.35
